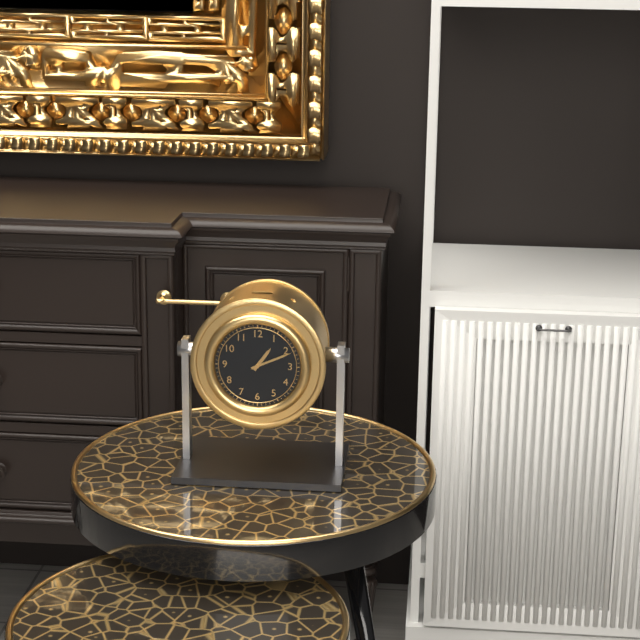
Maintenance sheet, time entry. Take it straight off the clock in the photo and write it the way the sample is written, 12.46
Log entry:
1.11
